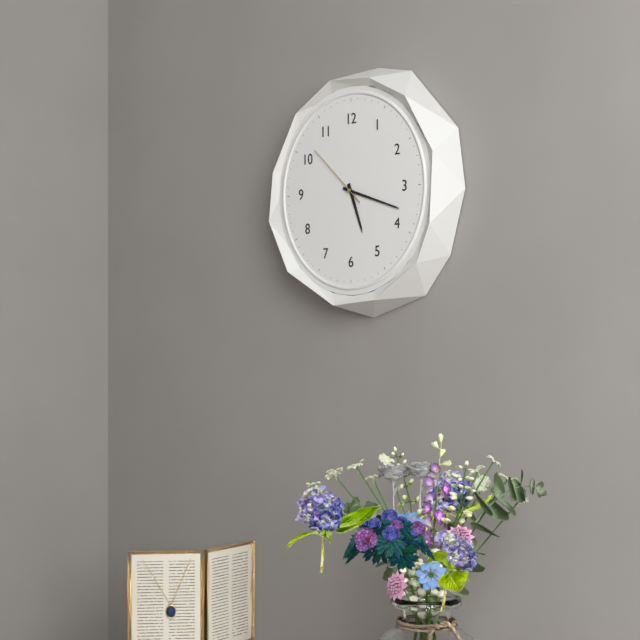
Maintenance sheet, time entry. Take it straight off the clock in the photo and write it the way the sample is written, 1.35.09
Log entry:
5.18.52
